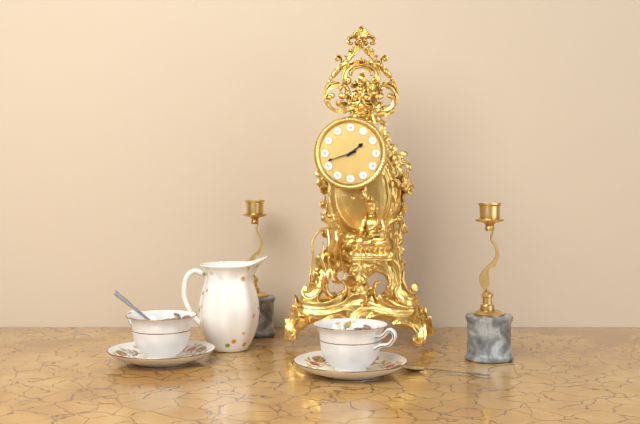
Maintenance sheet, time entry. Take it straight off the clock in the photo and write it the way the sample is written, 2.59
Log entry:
1.42
